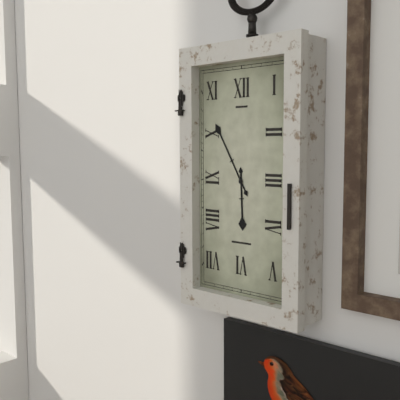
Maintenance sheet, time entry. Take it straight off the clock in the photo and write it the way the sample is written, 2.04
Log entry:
5.55
